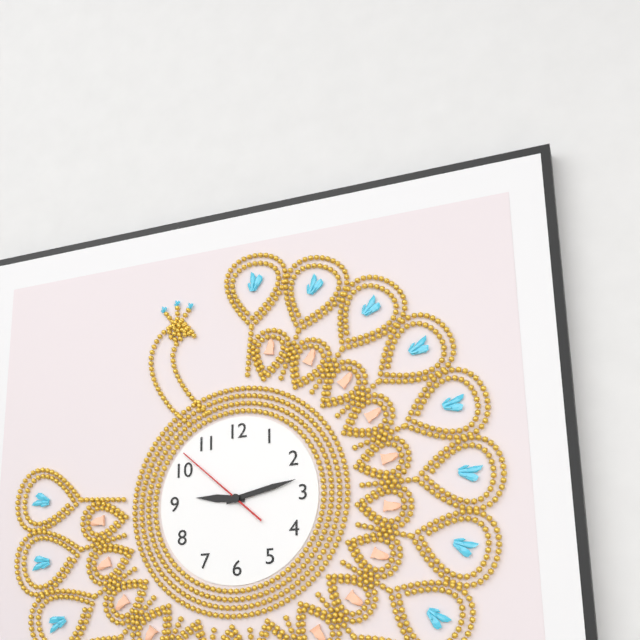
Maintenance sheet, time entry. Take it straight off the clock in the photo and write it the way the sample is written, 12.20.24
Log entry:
9.13.52
